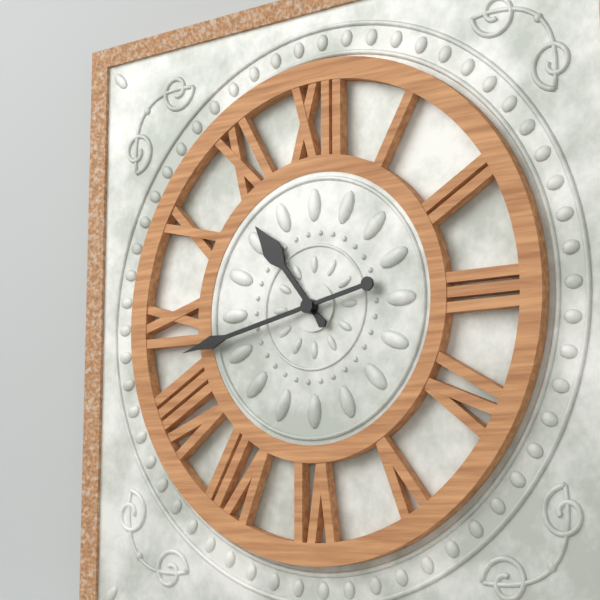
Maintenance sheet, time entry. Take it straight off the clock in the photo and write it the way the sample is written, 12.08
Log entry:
10.43
